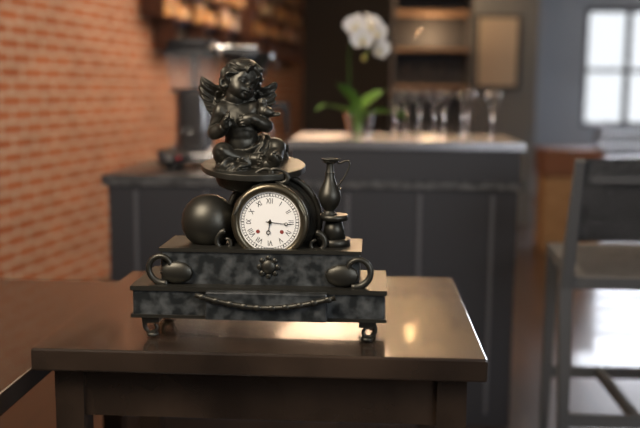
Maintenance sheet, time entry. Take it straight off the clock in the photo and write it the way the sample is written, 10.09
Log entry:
6.16
